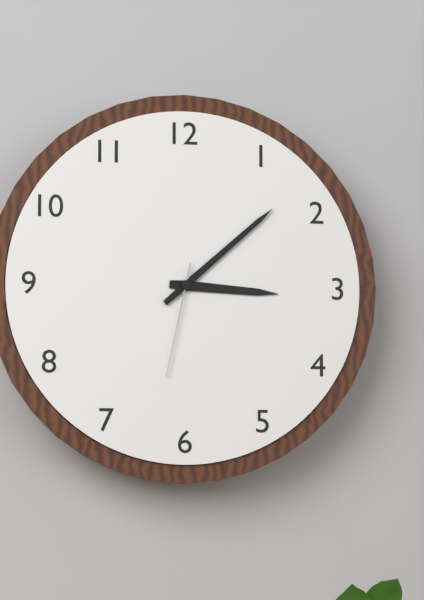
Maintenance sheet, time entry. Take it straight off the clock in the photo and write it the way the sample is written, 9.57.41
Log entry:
3.08.32
